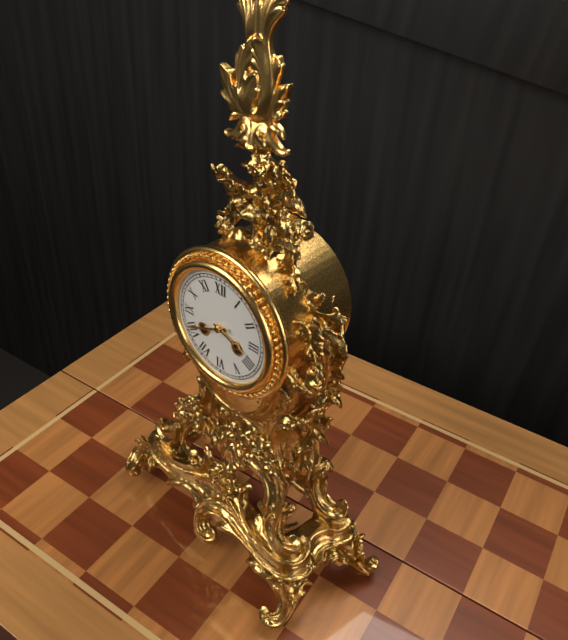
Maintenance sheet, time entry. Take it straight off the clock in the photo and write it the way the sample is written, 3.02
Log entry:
3.41
